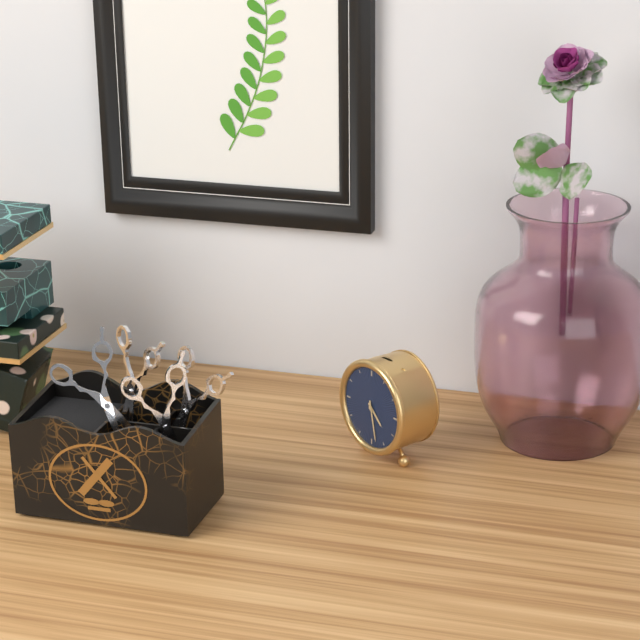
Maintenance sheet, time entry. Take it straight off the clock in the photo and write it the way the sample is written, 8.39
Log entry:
4.28
